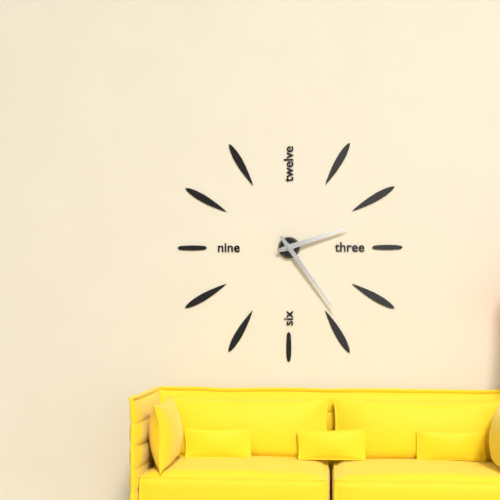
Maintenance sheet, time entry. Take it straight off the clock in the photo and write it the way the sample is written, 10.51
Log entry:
2.24
